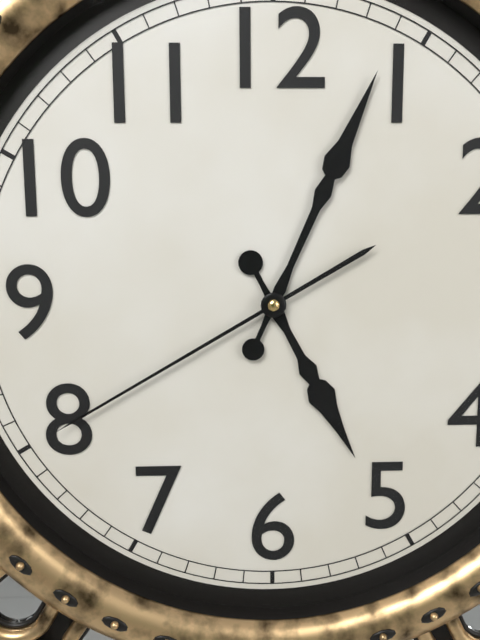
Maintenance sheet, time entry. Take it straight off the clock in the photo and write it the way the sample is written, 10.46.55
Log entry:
5.04.40
